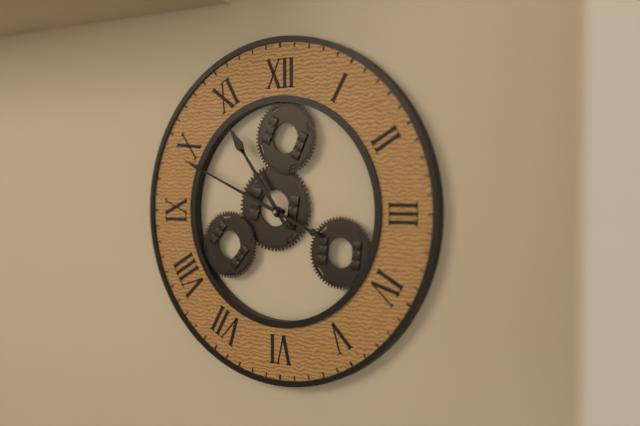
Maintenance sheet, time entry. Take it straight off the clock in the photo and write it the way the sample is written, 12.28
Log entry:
10.49
